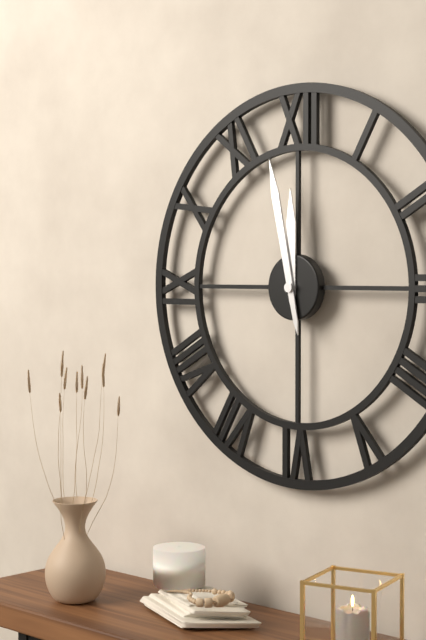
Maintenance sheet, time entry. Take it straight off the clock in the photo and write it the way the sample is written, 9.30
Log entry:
11.58
